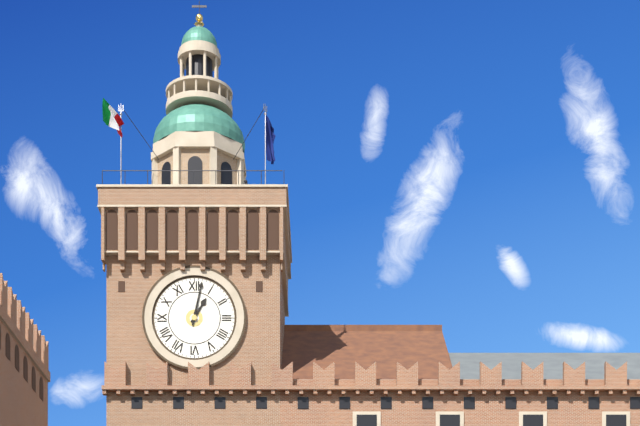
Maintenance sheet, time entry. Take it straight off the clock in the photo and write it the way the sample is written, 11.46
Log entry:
1.02
